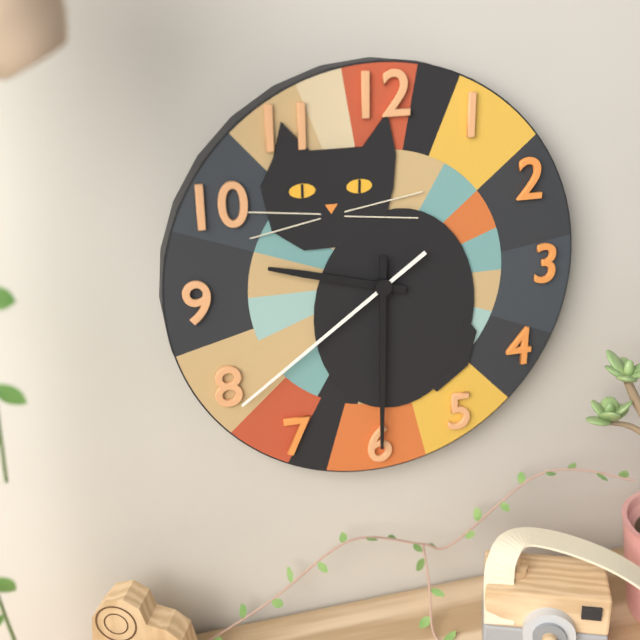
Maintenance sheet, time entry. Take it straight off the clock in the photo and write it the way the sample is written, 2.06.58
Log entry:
9.30.39
